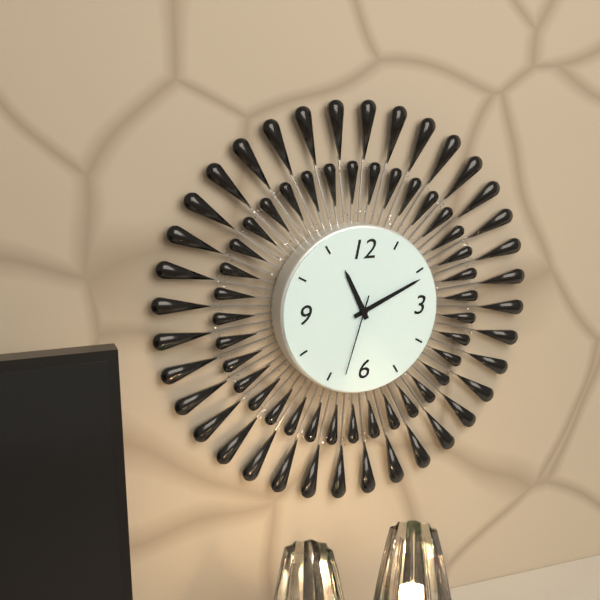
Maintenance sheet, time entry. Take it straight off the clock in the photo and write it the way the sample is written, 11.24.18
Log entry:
11.11.33
